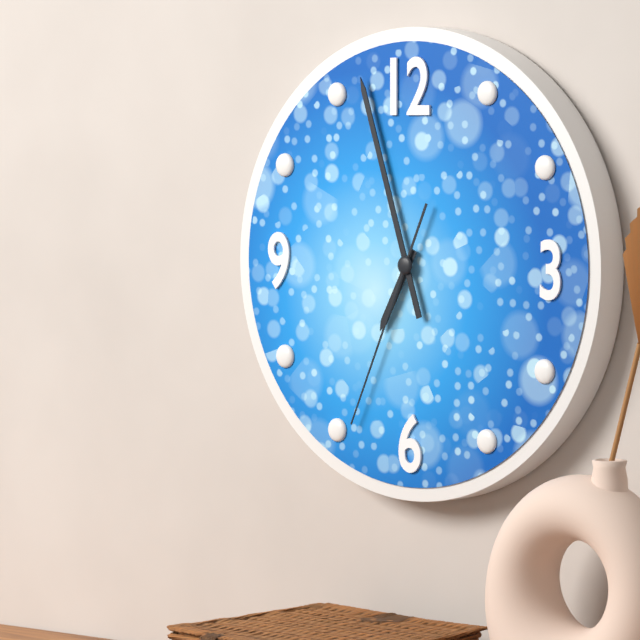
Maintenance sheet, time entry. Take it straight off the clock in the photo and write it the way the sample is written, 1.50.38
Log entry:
6.57.34
